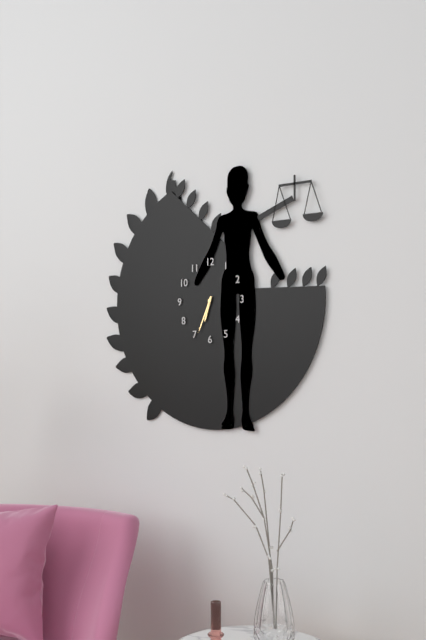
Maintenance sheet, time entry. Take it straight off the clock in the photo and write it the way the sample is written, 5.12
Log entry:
6.34
